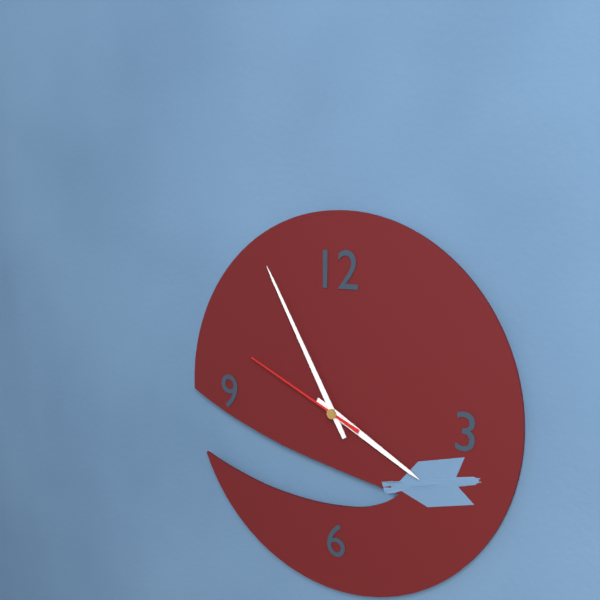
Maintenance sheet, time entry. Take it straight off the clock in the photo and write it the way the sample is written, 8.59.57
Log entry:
3.55.49
